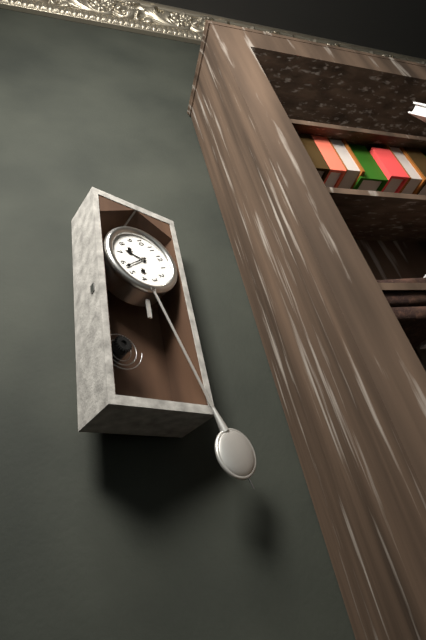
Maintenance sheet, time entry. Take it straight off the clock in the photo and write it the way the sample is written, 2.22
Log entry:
7.28
